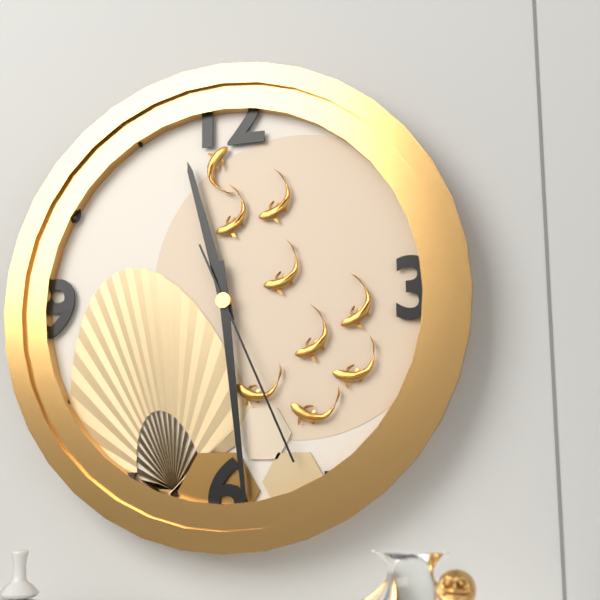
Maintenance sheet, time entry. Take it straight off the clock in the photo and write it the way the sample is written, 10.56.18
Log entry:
11.29.26
